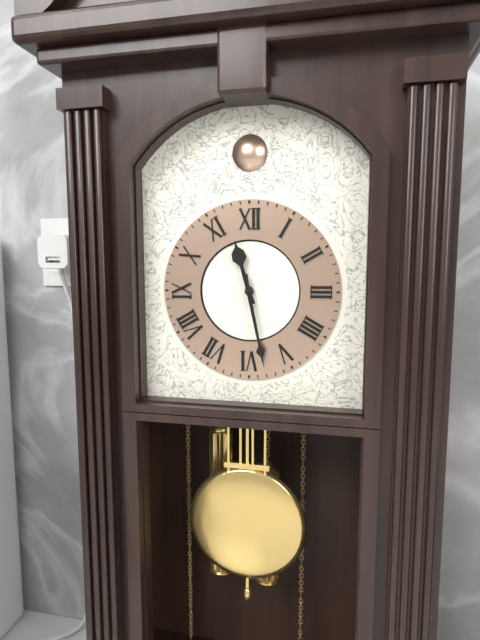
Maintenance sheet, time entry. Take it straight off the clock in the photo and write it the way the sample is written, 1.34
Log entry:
11.28
